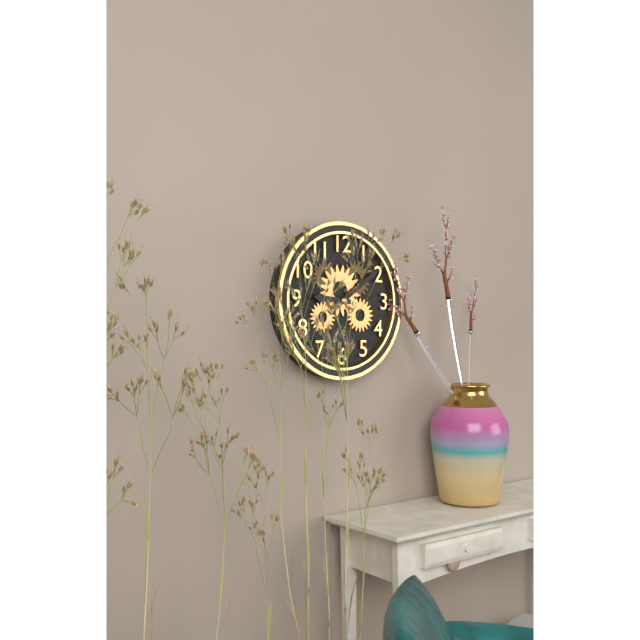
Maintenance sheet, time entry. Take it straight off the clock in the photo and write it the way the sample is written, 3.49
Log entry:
9.09
